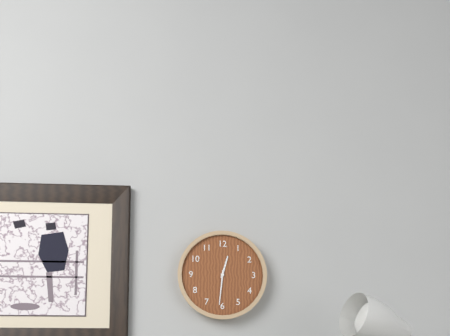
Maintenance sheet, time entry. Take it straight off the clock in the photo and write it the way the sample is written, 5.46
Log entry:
12.31
